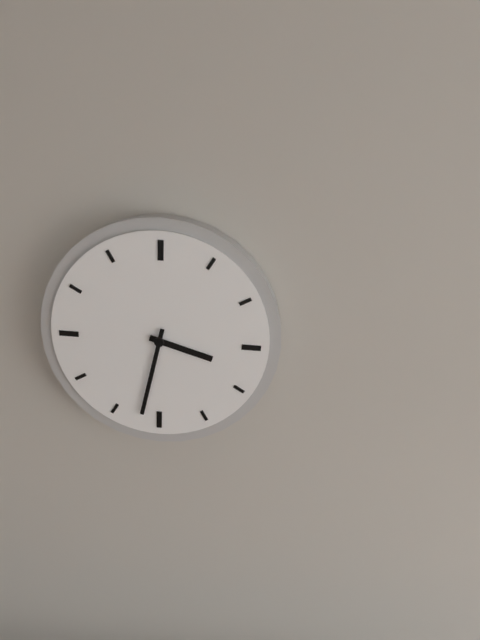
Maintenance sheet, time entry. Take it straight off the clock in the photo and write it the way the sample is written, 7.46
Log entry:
3.32
